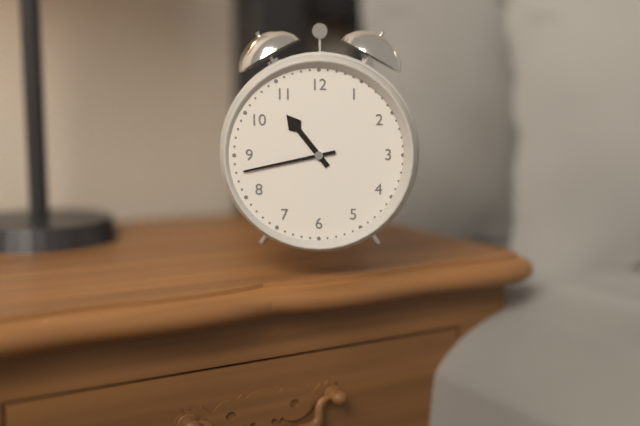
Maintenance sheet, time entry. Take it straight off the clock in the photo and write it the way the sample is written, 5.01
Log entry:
10.43
